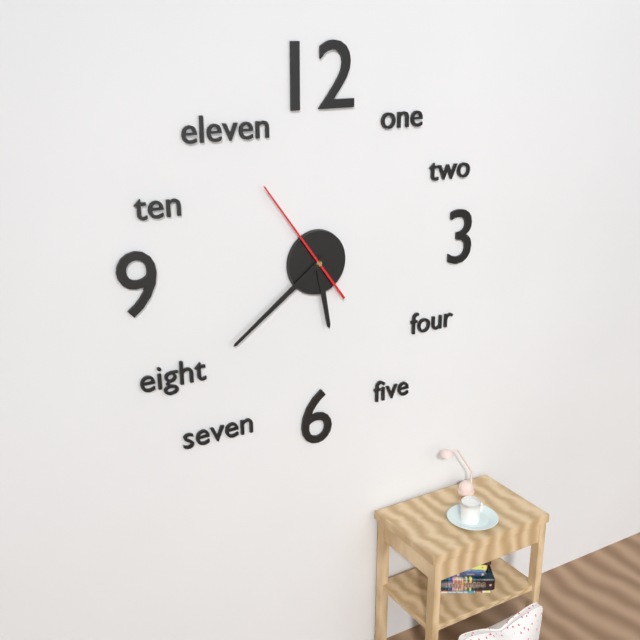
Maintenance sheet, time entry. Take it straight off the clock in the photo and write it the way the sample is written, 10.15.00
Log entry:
5.39.54
